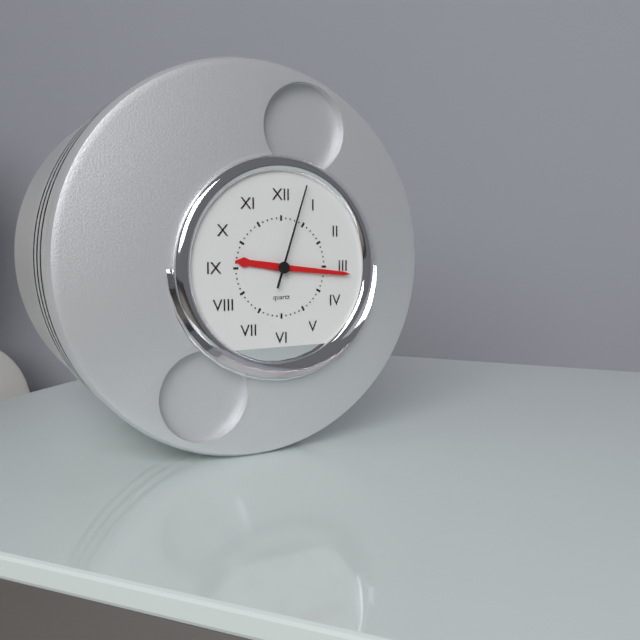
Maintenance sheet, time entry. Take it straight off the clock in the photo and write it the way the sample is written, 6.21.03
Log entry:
9.16.03
